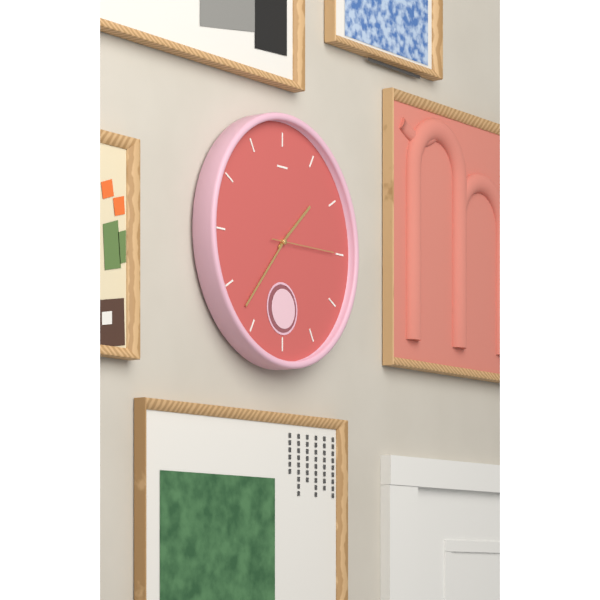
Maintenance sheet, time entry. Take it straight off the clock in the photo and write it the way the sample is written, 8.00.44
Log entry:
1.37.15
